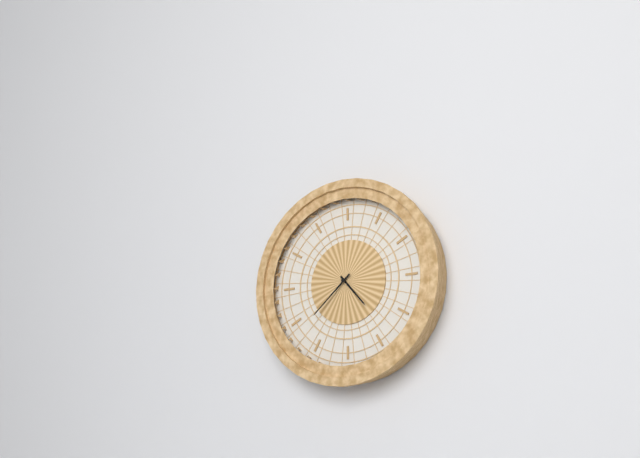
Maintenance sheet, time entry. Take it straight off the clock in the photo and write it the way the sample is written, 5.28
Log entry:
4.38
